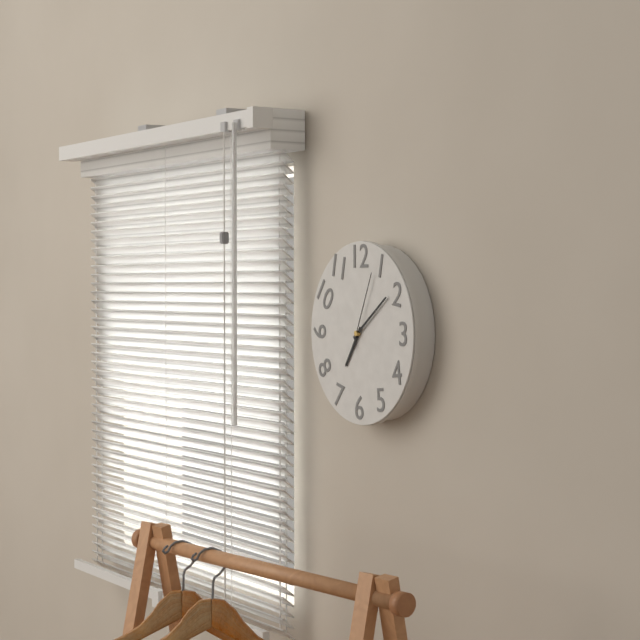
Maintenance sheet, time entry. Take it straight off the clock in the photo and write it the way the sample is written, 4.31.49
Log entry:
7.09.04
